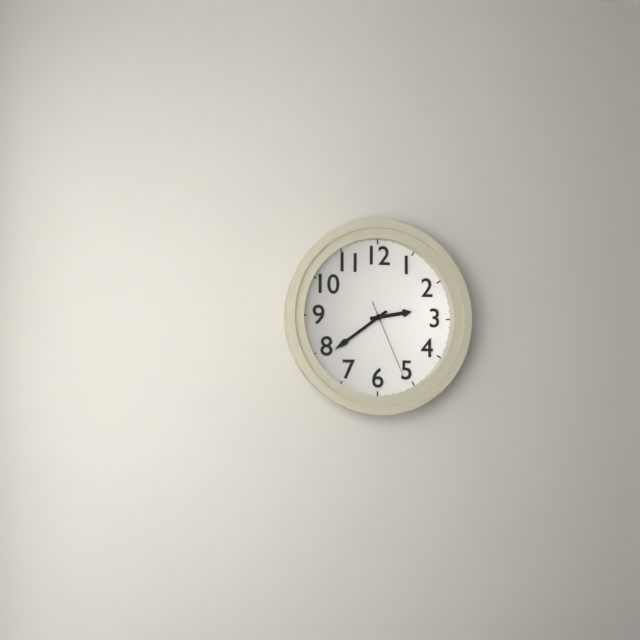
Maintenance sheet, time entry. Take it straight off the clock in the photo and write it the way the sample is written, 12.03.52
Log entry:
2.39.26
